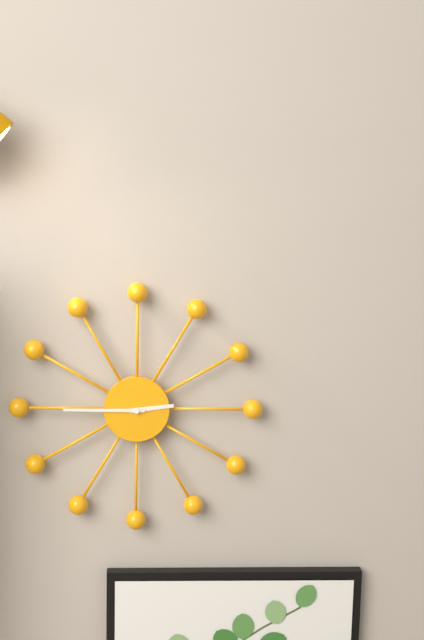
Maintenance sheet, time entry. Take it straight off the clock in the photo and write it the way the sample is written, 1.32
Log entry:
2.45
